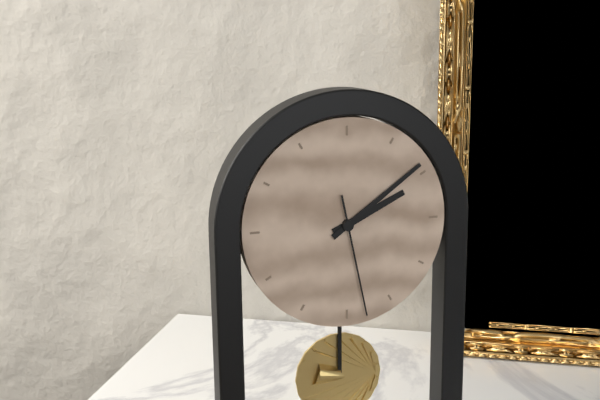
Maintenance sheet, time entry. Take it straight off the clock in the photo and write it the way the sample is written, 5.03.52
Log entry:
2.09.28
